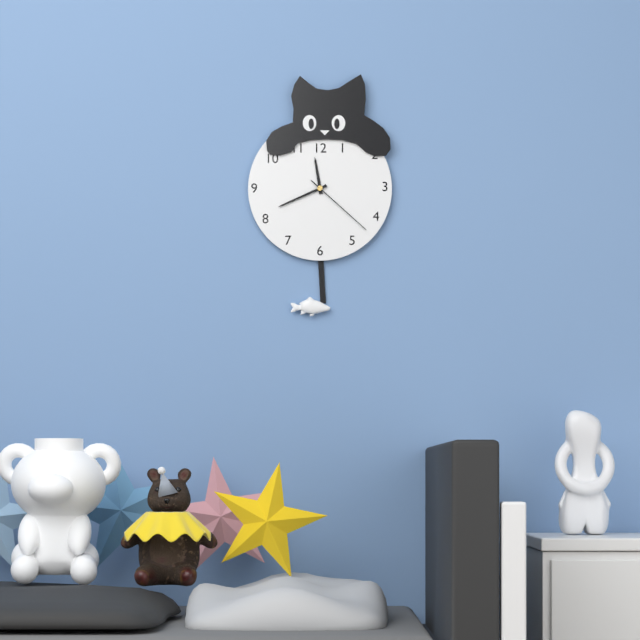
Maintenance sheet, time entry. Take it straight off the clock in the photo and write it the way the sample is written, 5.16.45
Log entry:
11.41.22
